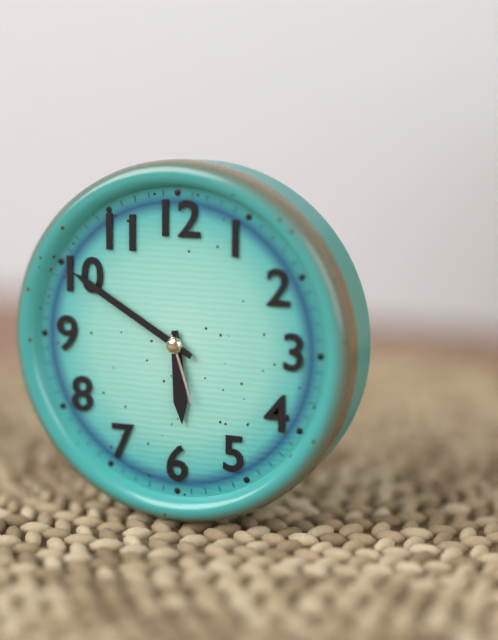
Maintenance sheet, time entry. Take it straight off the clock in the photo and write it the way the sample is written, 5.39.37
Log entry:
5.50.27
